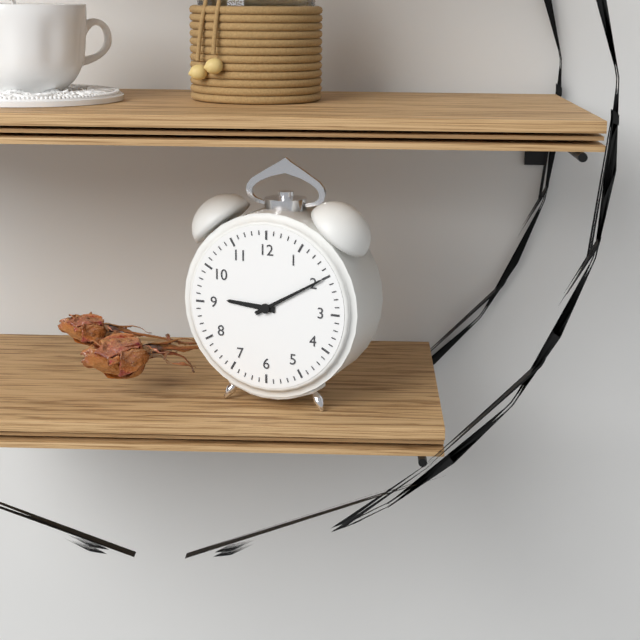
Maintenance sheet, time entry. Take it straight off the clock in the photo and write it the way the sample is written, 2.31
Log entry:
9.10
